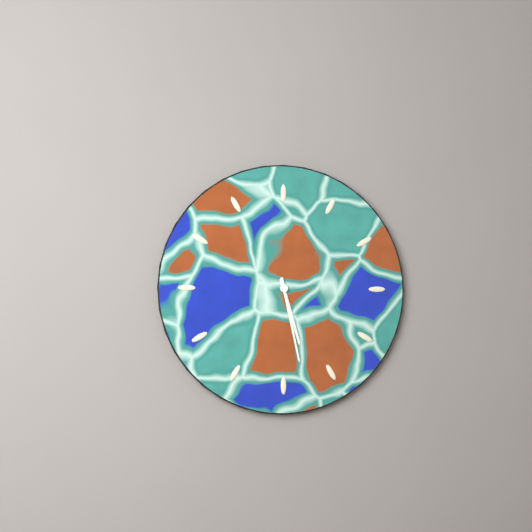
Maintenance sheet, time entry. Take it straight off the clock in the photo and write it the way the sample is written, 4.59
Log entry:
5.28
